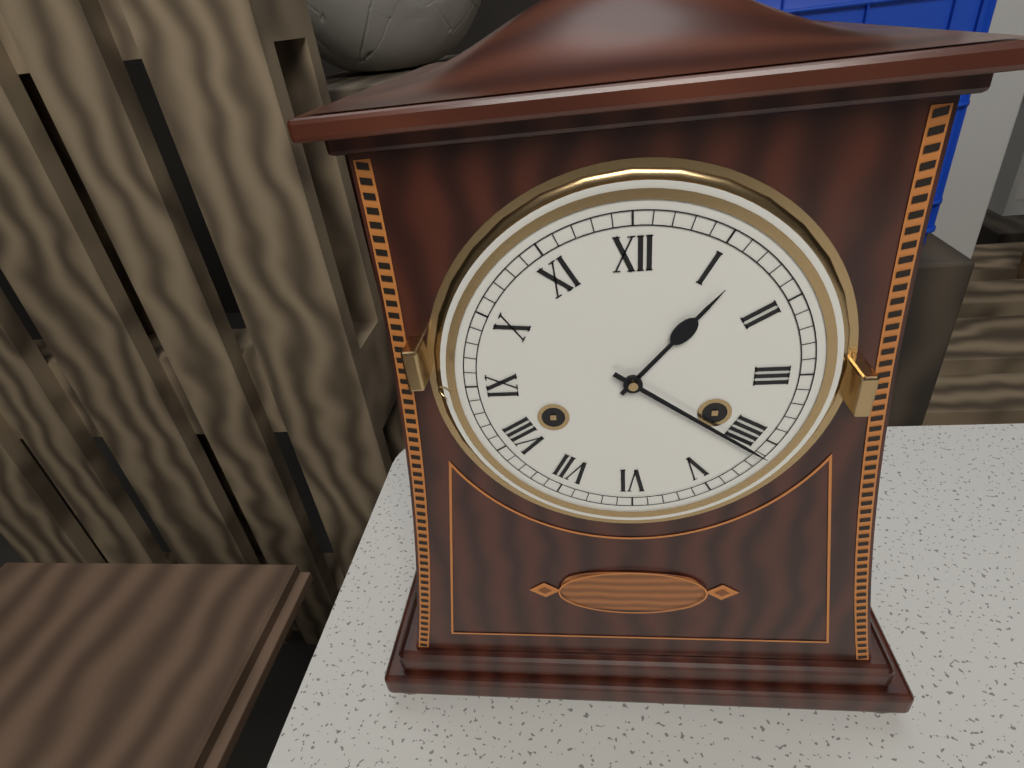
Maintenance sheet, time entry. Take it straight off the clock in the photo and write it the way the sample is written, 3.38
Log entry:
1.21
